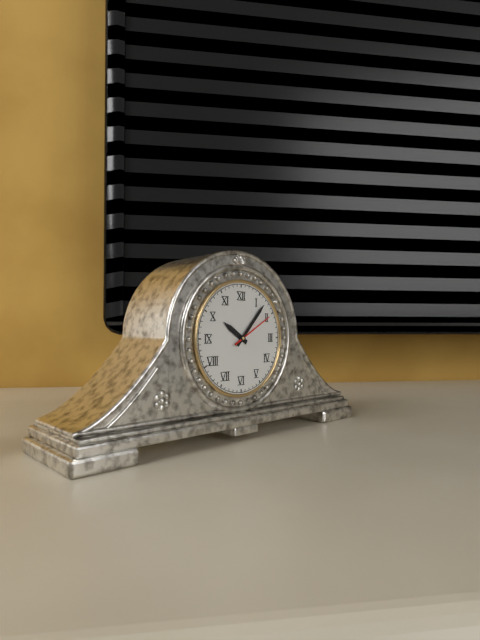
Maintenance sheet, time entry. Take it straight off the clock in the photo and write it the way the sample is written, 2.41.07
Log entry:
10.07.10
